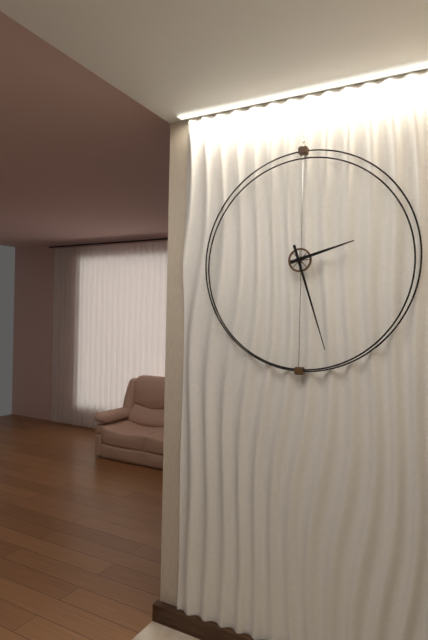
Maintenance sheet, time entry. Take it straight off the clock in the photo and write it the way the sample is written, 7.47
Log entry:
2.27
